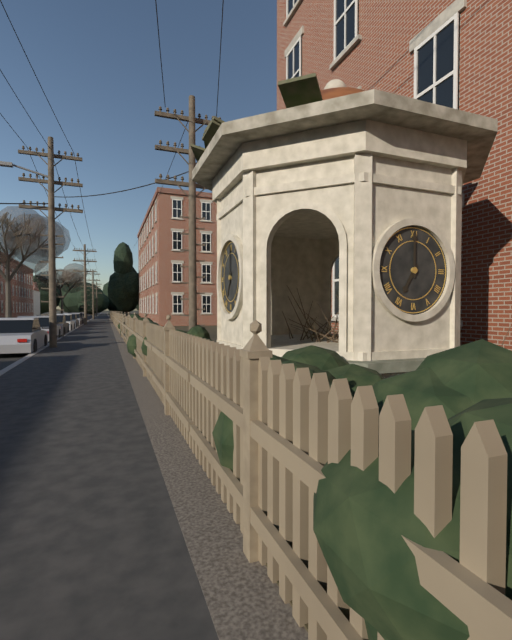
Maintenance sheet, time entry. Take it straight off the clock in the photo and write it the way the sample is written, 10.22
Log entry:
7.00
